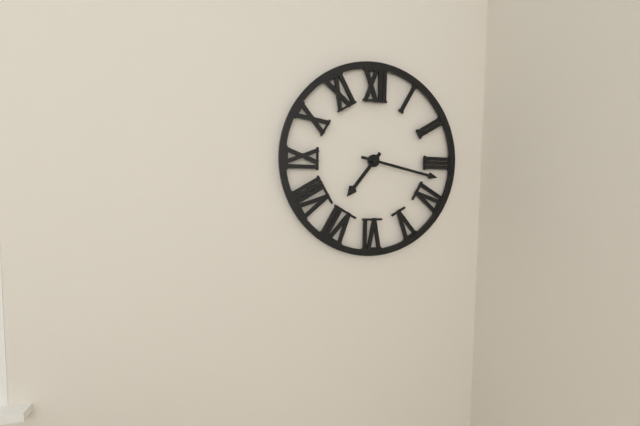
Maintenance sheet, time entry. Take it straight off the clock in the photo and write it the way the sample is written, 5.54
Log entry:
7.17
